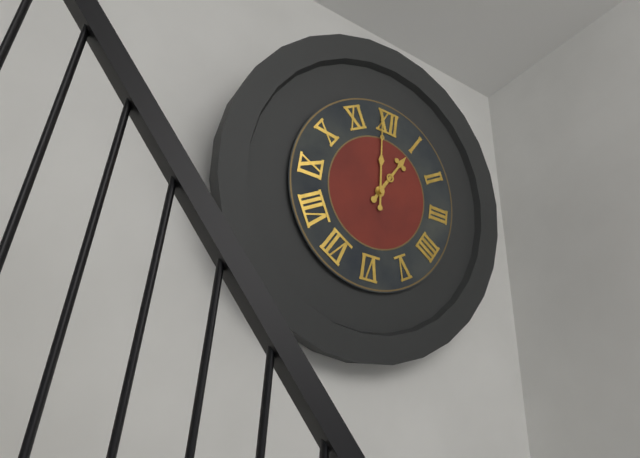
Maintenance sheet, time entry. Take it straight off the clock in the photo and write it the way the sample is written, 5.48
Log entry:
12.59
